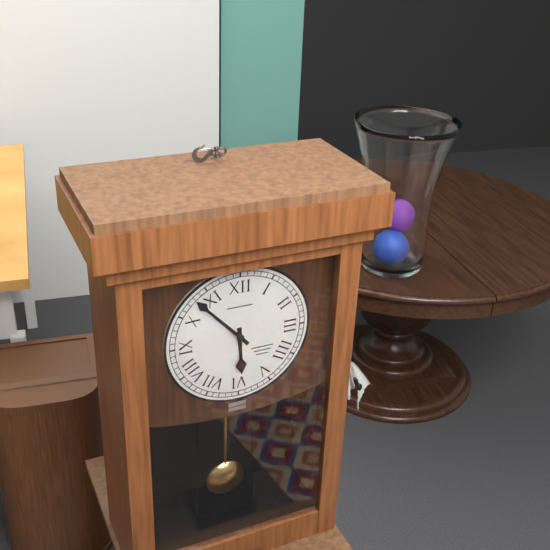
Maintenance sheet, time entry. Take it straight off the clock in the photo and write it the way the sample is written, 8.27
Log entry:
5.53
